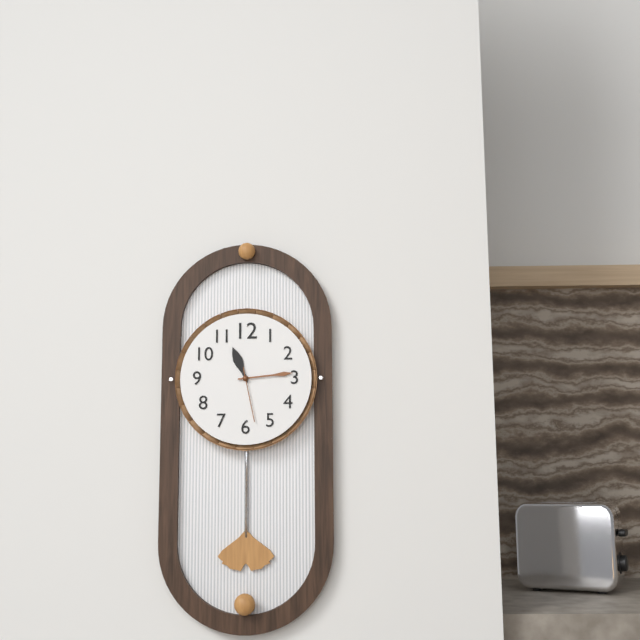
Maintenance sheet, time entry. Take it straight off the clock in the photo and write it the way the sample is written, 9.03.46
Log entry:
11.14.28
